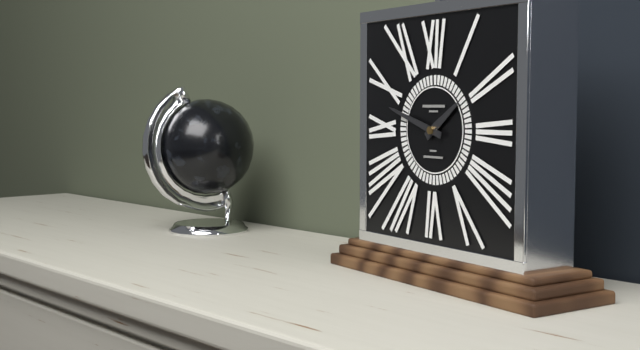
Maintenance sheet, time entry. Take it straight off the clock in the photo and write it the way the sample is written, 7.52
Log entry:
1.48
